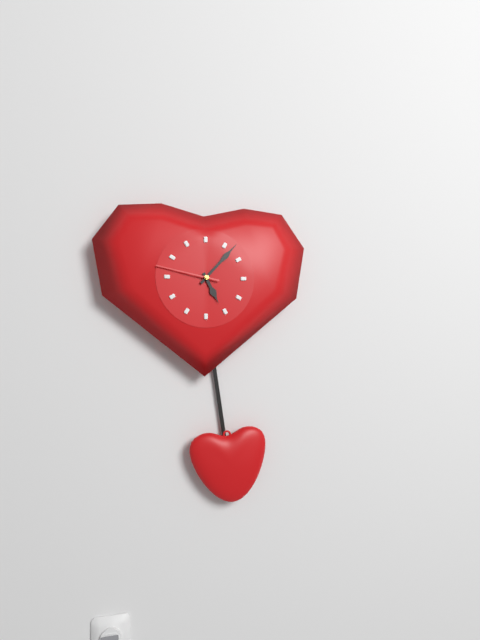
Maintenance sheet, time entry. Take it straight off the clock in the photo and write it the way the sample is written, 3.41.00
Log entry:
5.07.47
